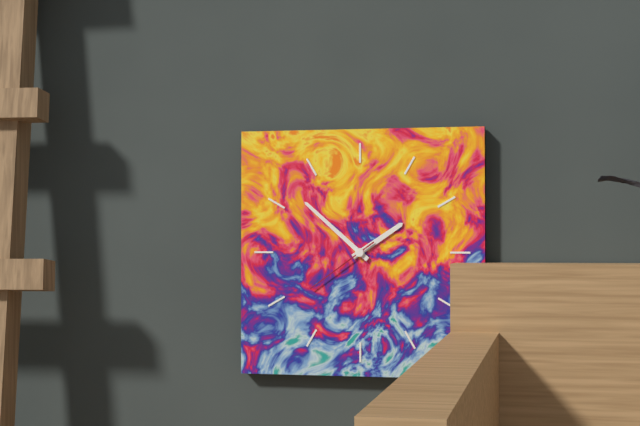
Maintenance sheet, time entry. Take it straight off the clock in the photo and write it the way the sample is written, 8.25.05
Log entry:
1.52.39
